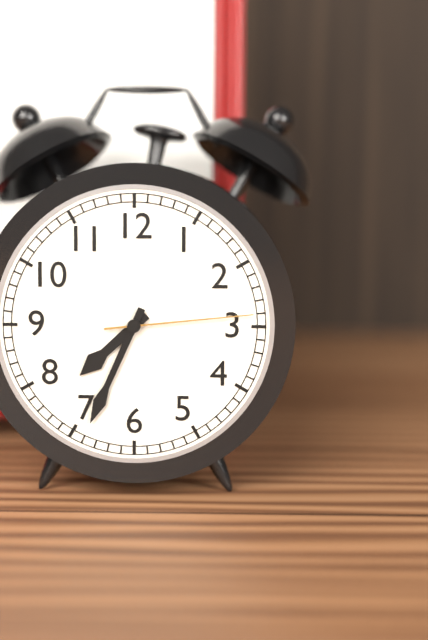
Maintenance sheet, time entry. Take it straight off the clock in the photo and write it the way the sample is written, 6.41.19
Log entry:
7.34.14
